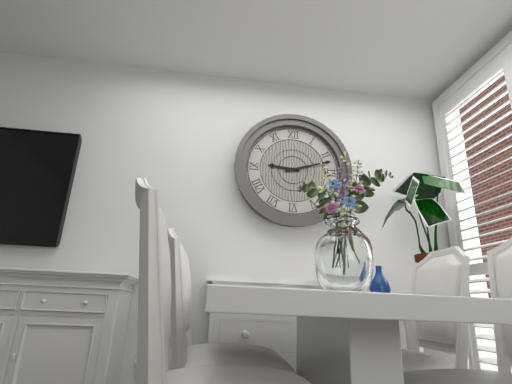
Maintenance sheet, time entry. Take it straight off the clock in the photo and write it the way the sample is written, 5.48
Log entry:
9.12
